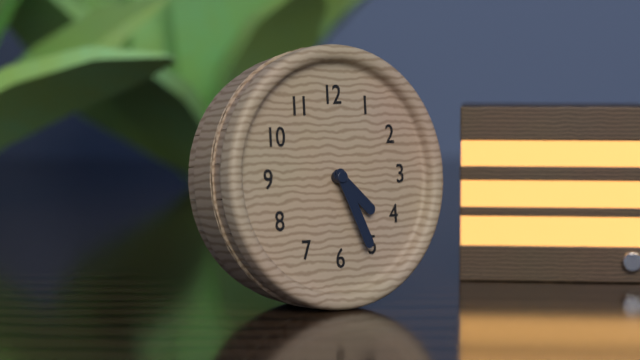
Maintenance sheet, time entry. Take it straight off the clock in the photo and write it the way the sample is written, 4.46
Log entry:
4.26
